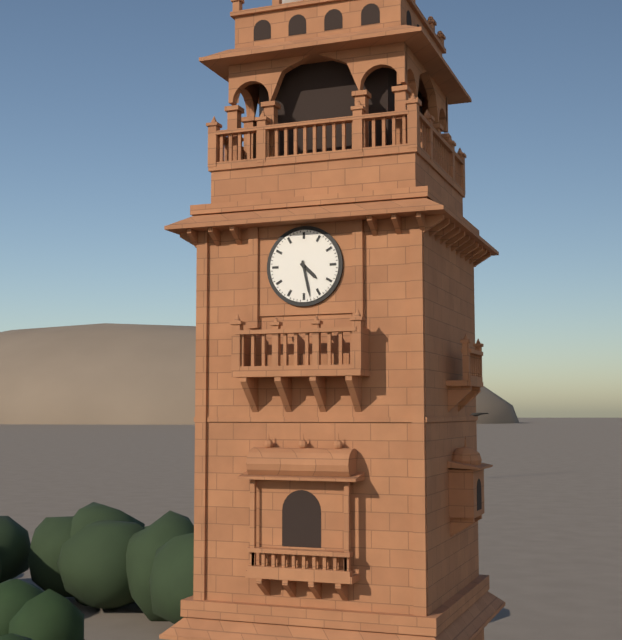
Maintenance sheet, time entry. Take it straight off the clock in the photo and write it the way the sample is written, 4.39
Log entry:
4.28
